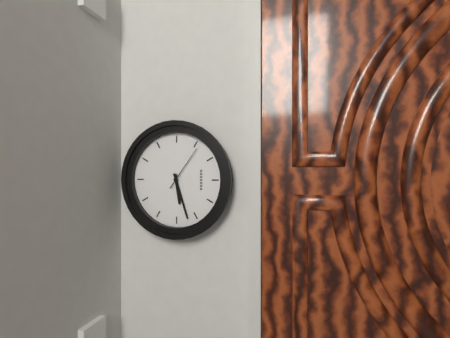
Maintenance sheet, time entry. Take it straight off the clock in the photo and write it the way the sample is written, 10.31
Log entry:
8.42
